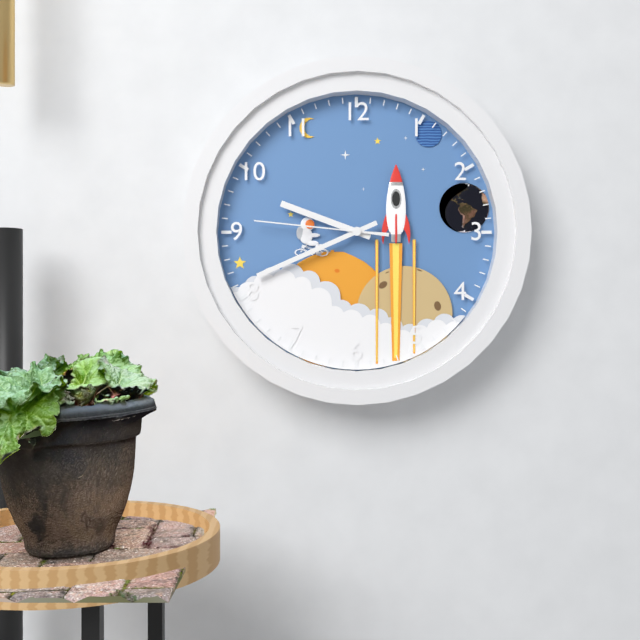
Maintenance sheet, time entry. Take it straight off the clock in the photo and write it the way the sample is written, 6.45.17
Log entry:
9.41.46
